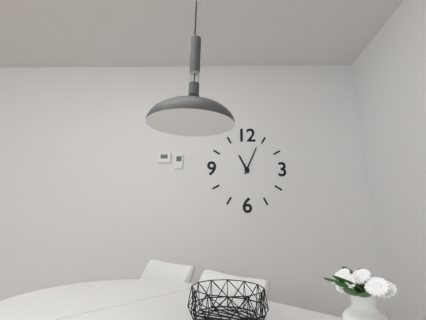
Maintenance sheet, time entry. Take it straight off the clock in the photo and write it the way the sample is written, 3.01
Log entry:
11.04
